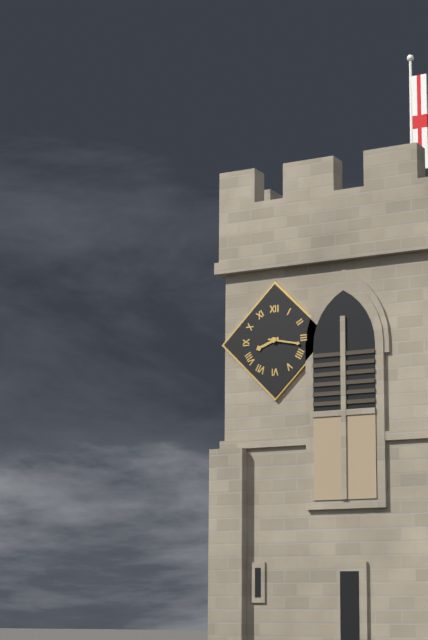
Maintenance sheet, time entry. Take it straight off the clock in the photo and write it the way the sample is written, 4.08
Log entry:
8.17
